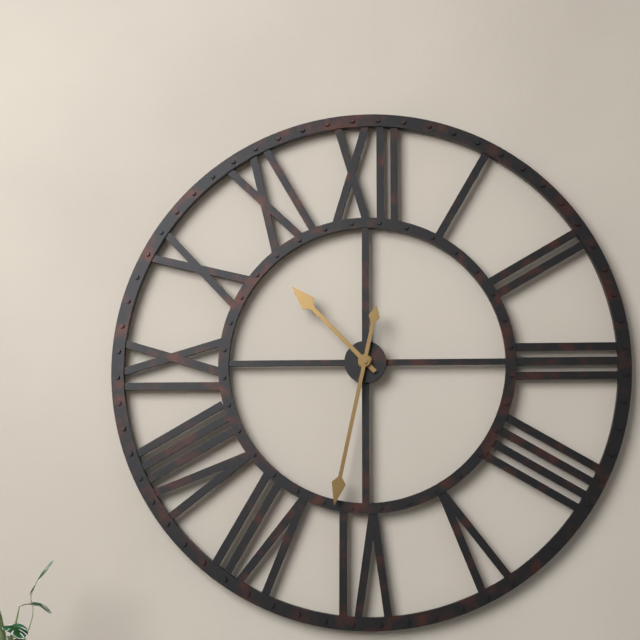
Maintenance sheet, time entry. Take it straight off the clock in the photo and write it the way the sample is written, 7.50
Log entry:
10.32
